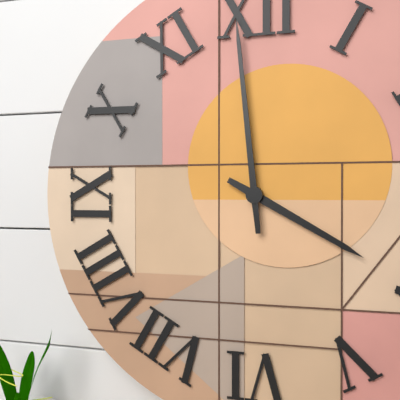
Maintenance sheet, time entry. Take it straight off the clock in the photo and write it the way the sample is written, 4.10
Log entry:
3.59
